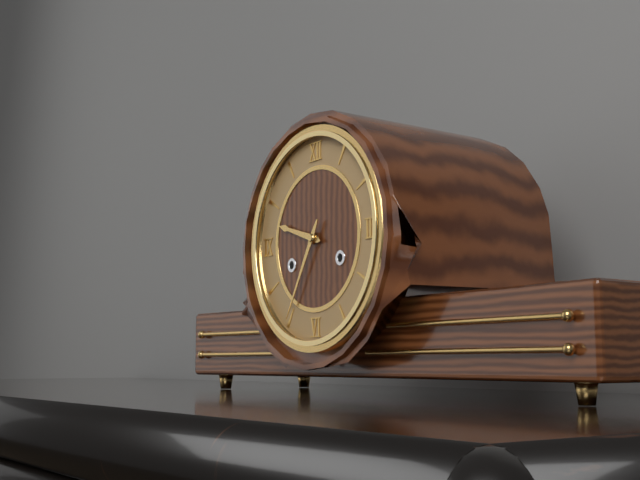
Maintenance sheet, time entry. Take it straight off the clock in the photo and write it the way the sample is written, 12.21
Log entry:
9.35
